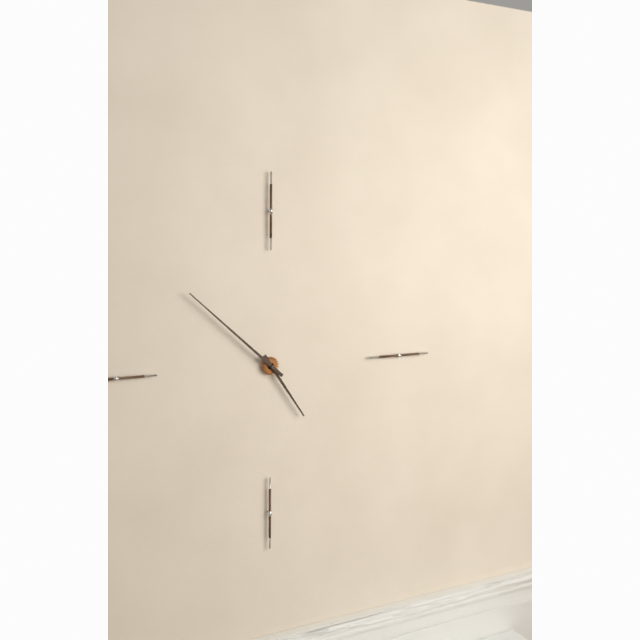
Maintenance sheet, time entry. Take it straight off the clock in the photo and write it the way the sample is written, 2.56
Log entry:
4.52
